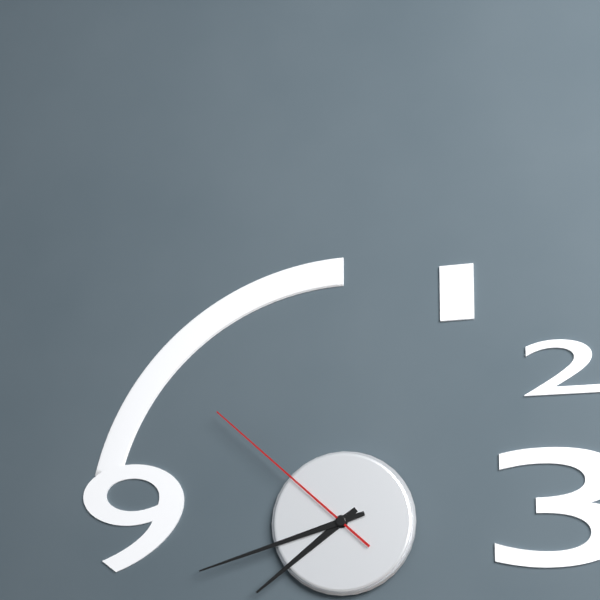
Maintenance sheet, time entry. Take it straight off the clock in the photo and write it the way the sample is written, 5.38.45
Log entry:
7.42.52
